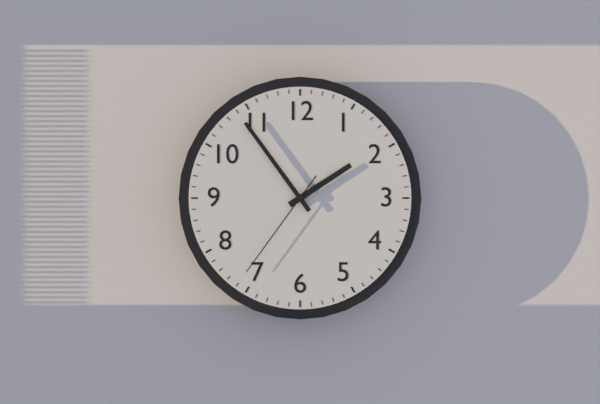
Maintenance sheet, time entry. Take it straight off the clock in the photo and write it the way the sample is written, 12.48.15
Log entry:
1.54.36
